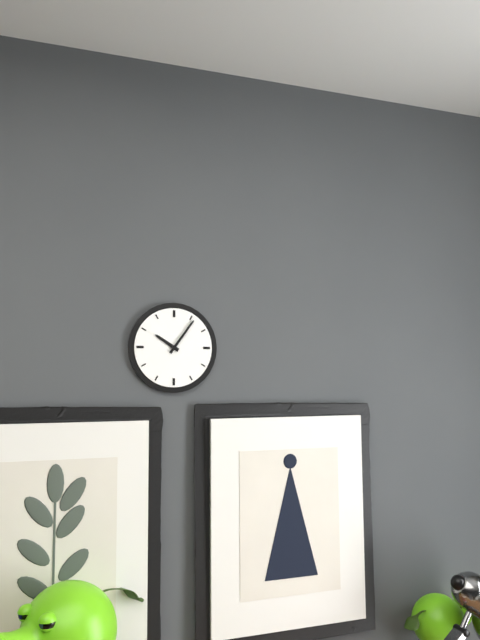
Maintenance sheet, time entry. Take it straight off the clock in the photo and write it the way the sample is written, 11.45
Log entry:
10.06
